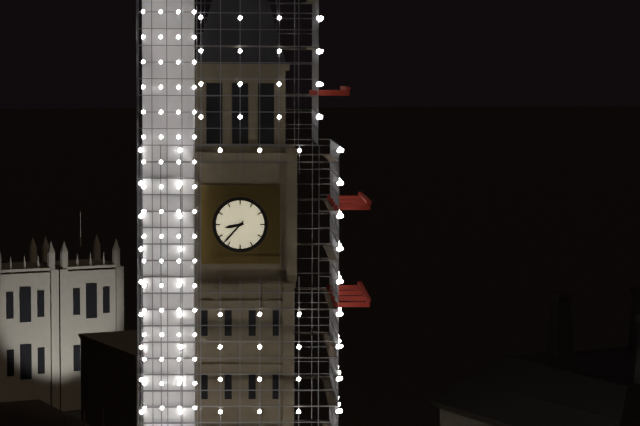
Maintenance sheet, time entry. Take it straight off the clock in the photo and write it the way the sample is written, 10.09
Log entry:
8.37
